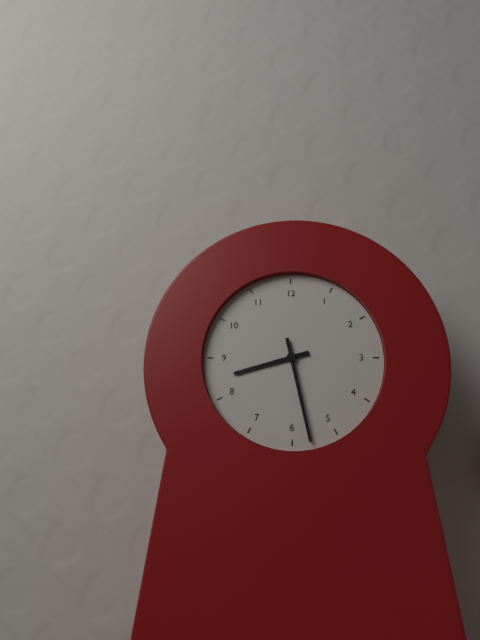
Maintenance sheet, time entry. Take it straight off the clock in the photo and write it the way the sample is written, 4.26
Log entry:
8.28
